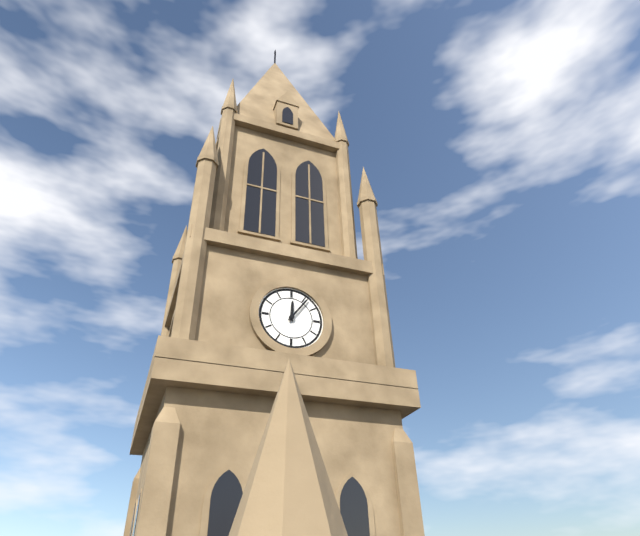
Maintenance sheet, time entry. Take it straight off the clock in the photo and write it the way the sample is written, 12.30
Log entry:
12.06
